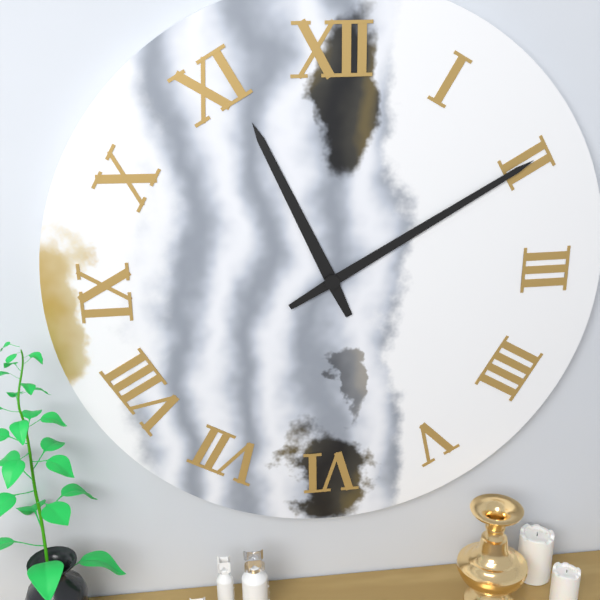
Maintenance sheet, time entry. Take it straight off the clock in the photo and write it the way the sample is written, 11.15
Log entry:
11.10
